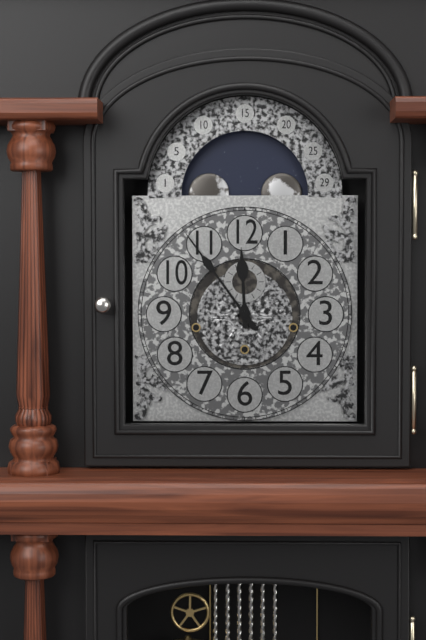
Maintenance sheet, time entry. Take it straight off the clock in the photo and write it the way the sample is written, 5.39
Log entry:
11.54
